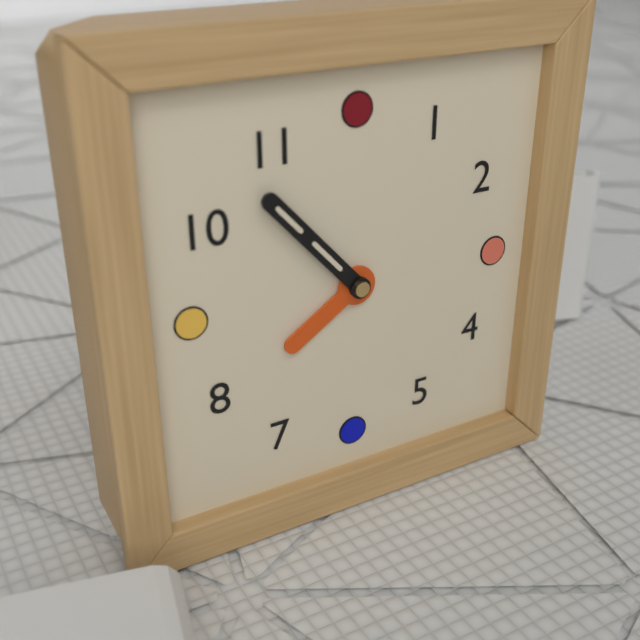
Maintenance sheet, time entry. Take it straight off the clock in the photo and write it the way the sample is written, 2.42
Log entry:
7.53
